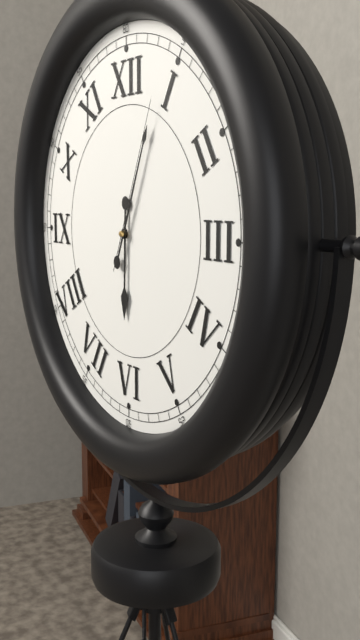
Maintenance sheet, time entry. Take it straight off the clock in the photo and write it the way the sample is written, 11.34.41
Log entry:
6.04.04
